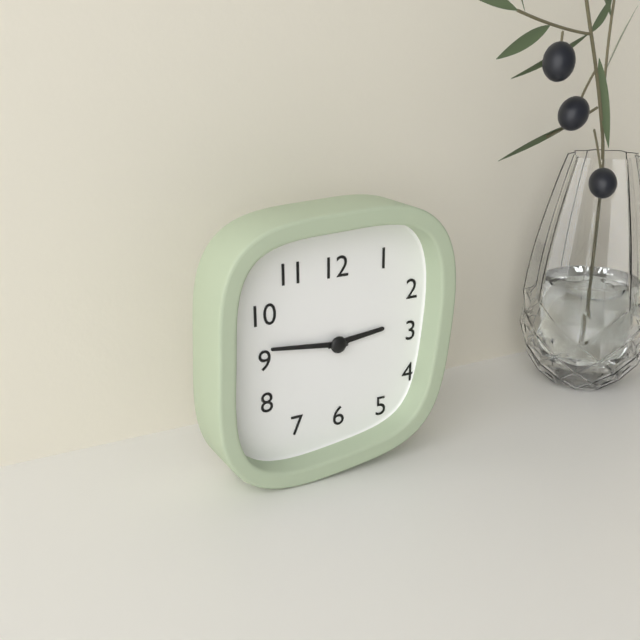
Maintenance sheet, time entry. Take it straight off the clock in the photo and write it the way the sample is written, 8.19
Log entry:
2.46
